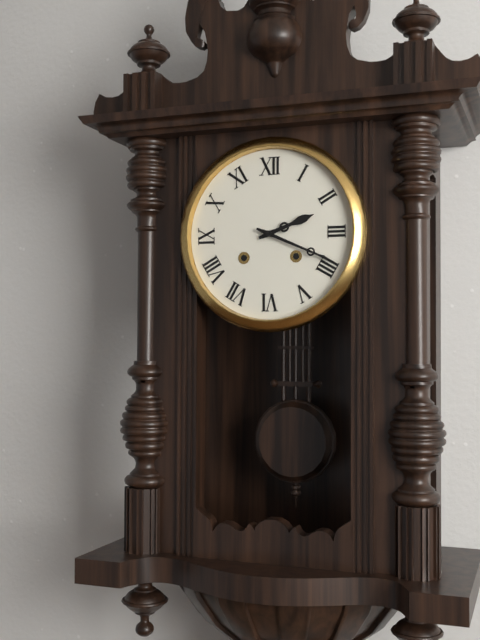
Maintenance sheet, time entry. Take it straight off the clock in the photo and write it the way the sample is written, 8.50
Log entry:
2.19
